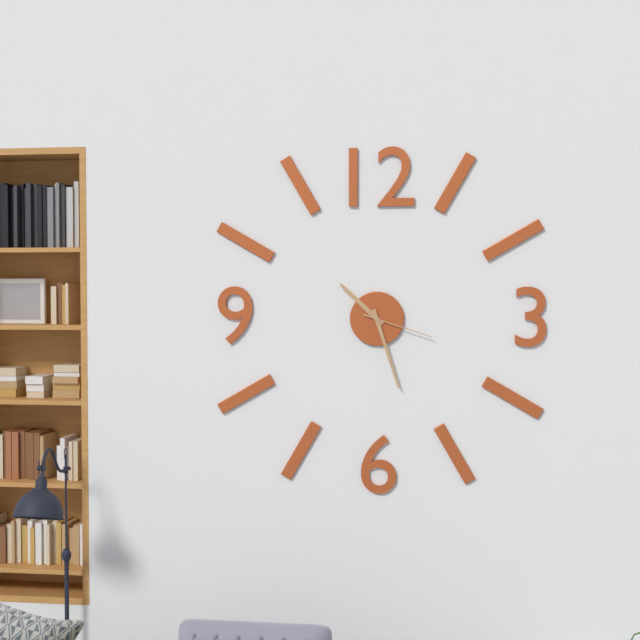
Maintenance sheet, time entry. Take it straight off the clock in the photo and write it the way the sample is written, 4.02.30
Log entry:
10.27.18
